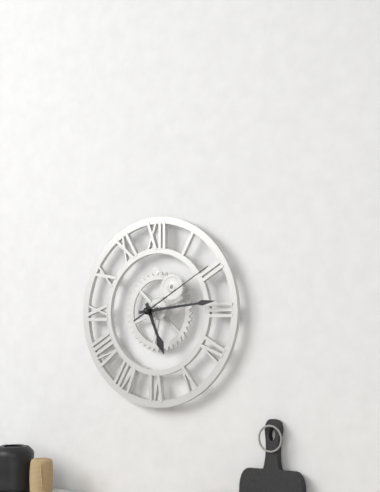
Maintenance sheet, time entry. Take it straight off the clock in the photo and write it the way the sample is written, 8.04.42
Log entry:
5.14.10
